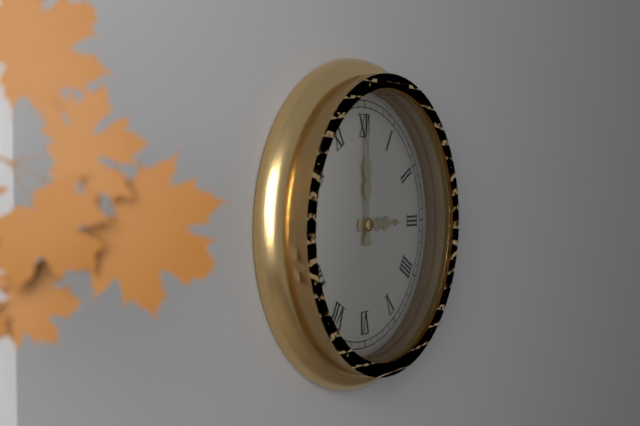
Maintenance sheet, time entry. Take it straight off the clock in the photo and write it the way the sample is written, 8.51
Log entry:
3.00
